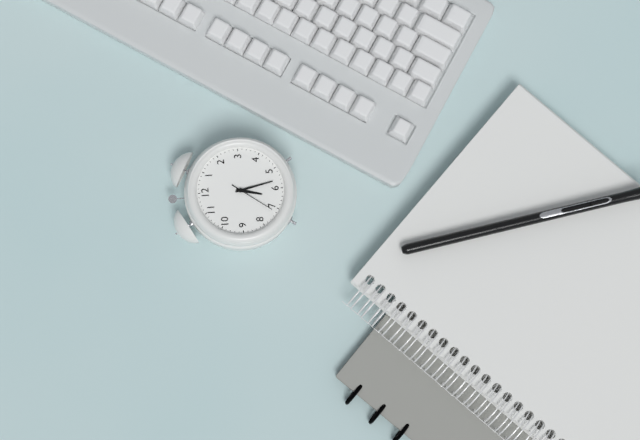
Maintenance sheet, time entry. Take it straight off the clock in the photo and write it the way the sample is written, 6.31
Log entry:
6.28
